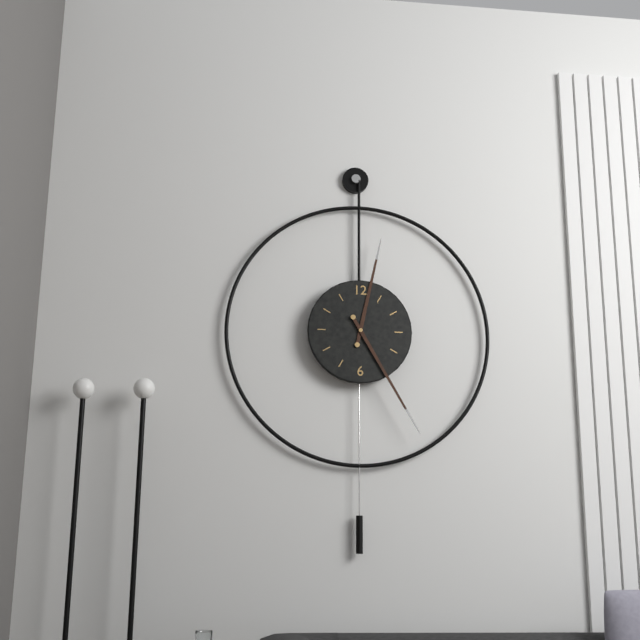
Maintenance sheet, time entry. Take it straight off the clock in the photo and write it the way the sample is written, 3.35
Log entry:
12.25
